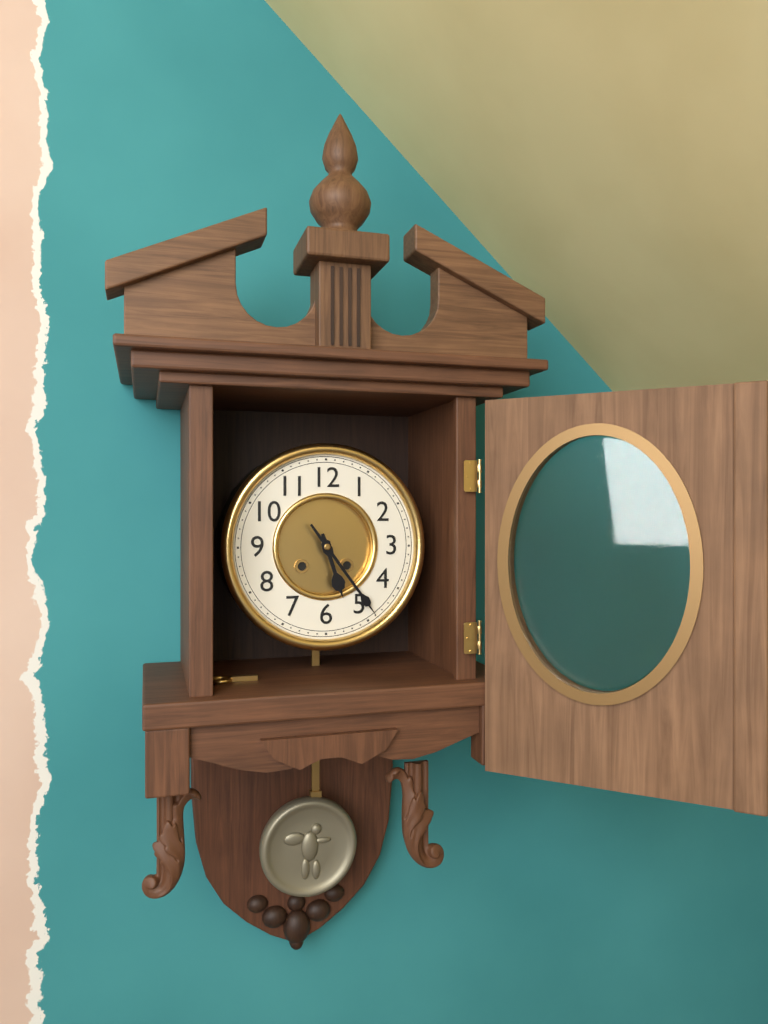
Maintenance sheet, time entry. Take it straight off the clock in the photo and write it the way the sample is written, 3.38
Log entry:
5.24
